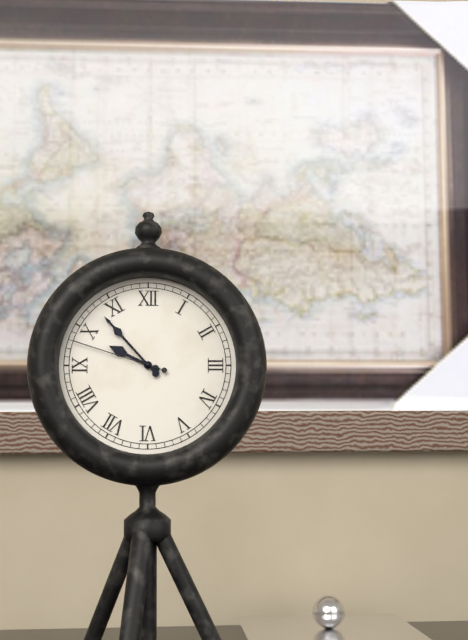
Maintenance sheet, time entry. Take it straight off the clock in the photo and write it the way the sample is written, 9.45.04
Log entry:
9.53.48
